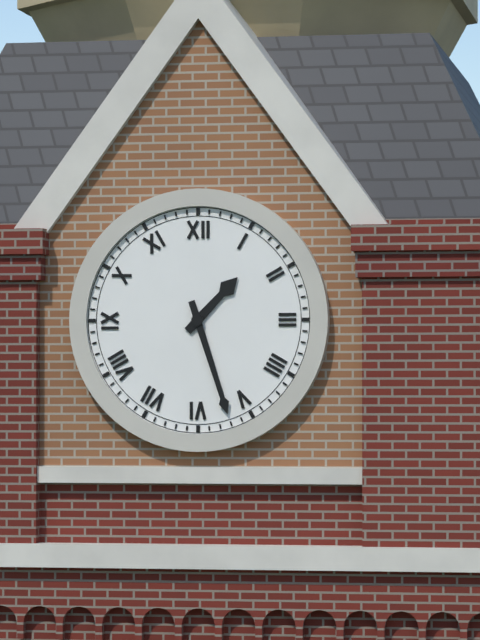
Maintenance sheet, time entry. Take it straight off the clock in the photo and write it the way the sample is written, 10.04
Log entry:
1.27
